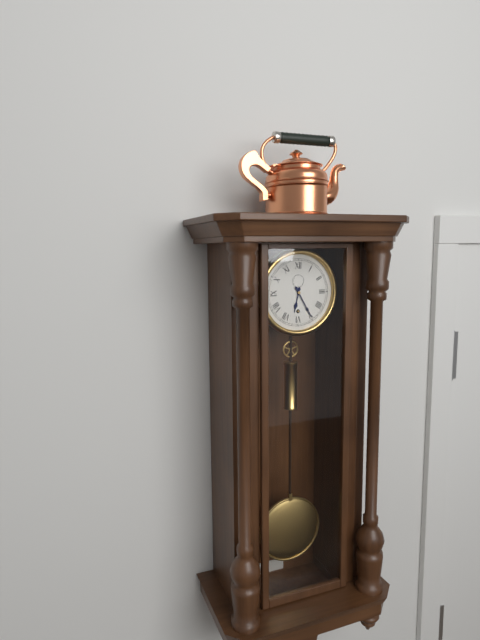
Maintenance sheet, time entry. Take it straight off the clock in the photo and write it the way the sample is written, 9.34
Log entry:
6.25
